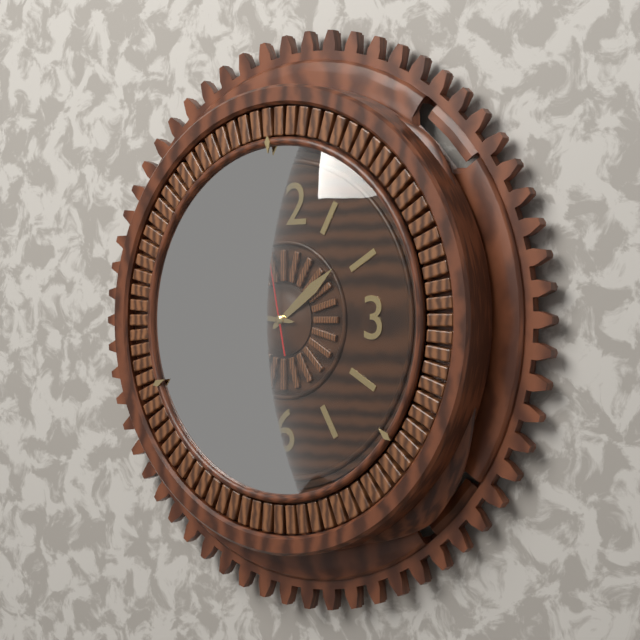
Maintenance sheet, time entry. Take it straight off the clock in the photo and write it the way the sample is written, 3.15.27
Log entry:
1.46.58
